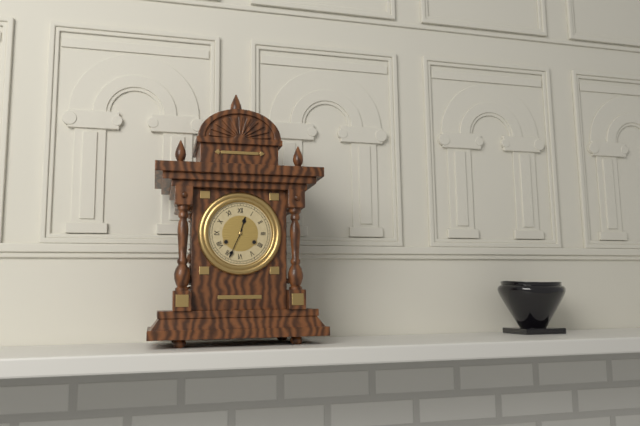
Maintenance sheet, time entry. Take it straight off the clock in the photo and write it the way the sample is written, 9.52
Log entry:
12.34
